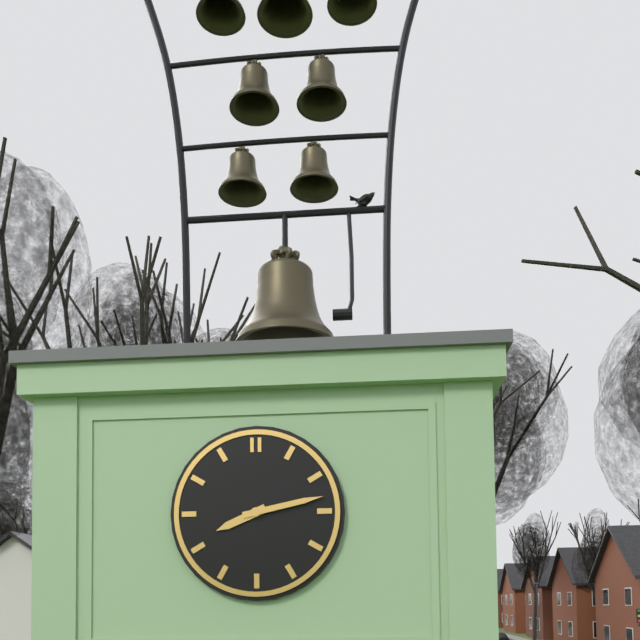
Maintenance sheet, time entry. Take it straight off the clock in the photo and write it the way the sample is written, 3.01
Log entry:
8.13
